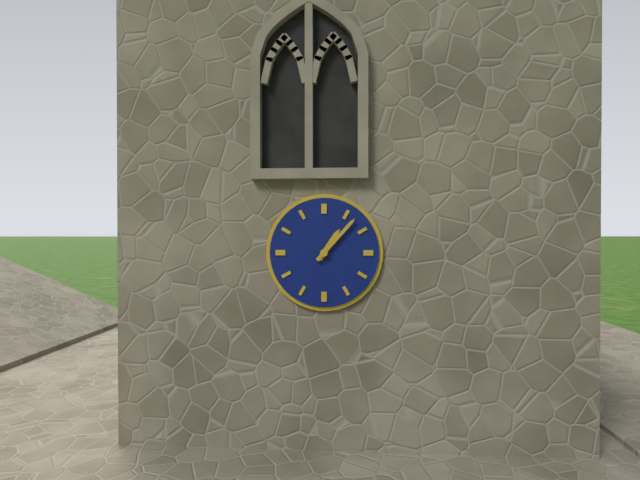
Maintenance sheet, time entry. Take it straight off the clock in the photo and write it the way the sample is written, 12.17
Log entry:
1.07
